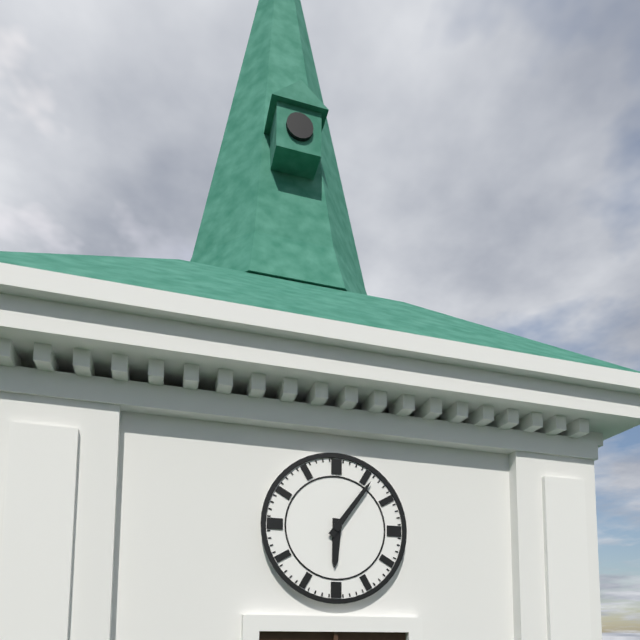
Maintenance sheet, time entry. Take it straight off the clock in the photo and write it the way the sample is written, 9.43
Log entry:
6.06
